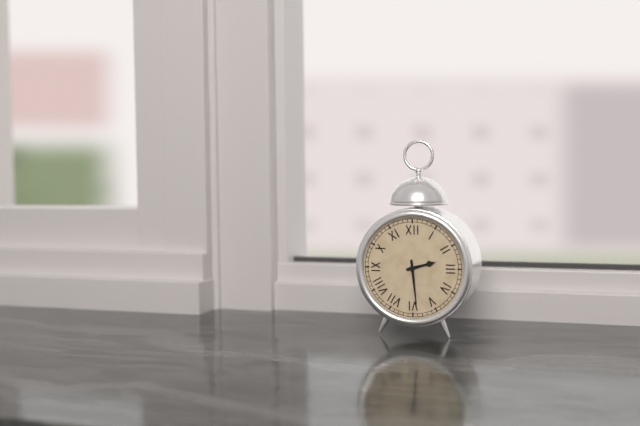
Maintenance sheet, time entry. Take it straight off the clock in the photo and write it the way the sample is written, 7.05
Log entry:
2.29
